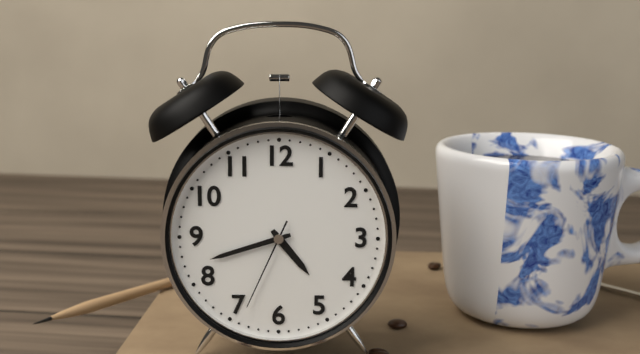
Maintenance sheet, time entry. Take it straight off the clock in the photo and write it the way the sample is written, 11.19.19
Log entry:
4.42.34
